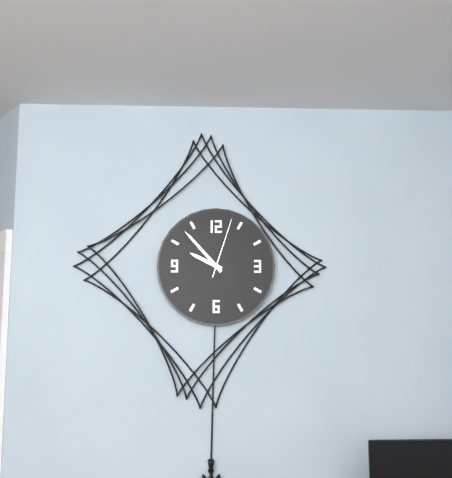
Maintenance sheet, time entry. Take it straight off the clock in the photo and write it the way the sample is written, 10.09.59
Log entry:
9.53.03
